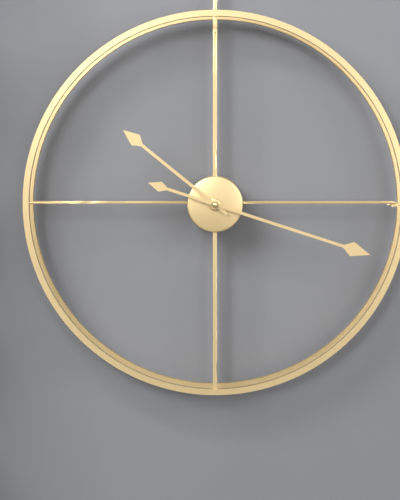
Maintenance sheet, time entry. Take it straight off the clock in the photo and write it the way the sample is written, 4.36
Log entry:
10.18
